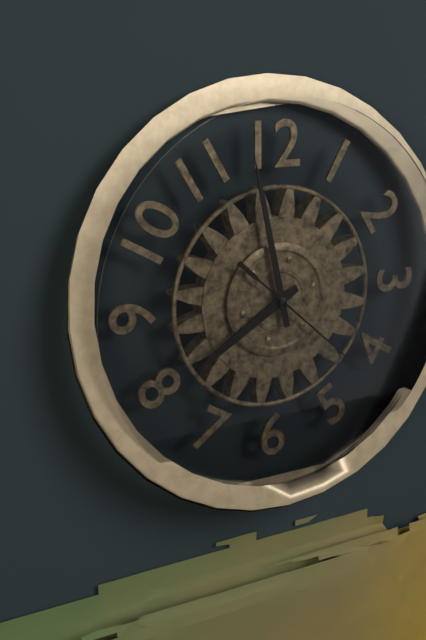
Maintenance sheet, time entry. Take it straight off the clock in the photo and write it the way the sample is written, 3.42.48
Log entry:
7.58.22
